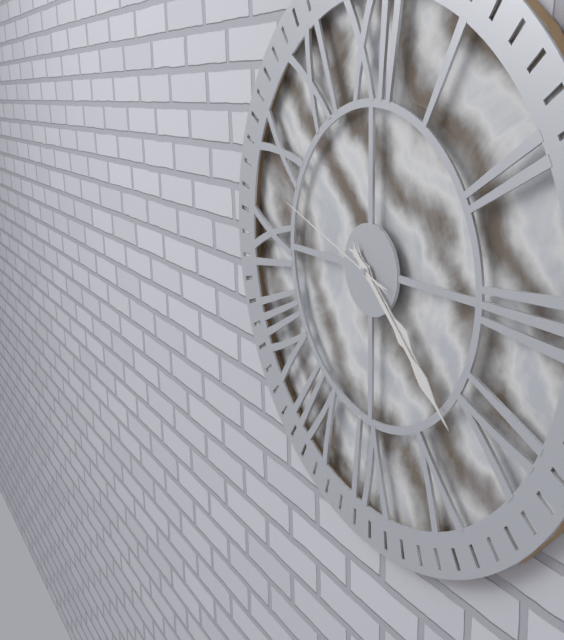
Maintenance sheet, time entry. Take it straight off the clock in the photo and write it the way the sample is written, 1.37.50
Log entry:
4.22.48
